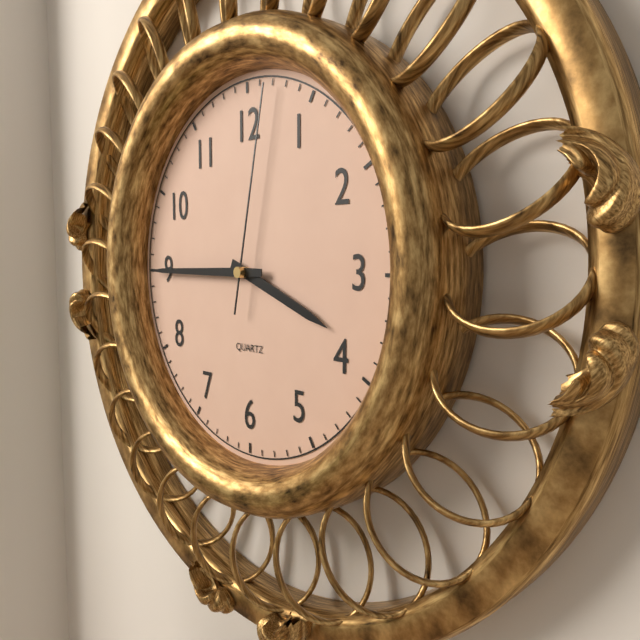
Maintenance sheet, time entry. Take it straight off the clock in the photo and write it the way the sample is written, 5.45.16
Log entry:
3.45.02
